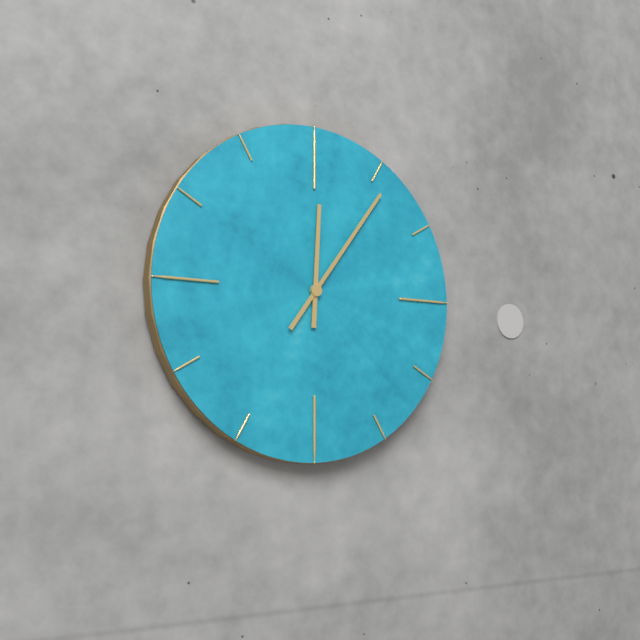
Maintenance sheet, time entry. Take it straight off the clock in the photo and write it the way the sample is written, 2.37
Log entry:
12.06
